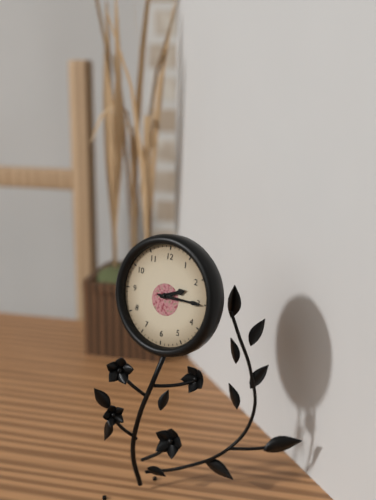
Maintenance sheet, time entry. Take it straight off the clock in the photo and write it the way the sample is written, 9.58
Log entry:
2.15
